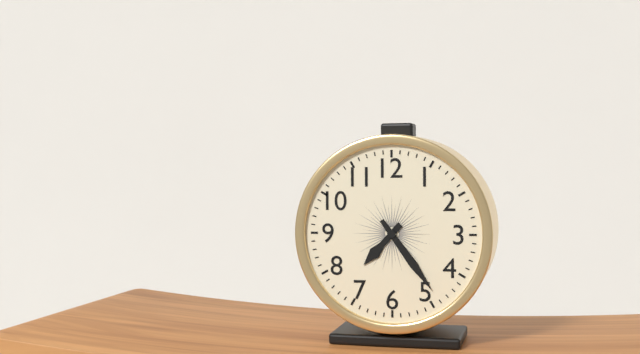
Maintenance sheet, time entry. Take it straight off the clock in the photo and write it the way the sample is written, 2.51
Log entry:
7.24
